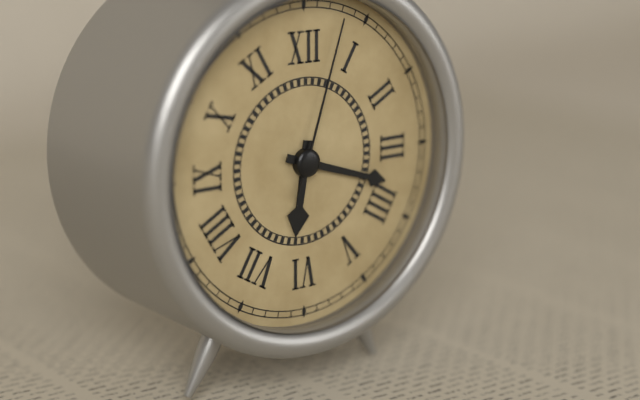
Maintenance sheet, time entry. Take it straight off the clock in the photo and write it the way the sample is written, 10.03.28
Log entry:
6.18.03
